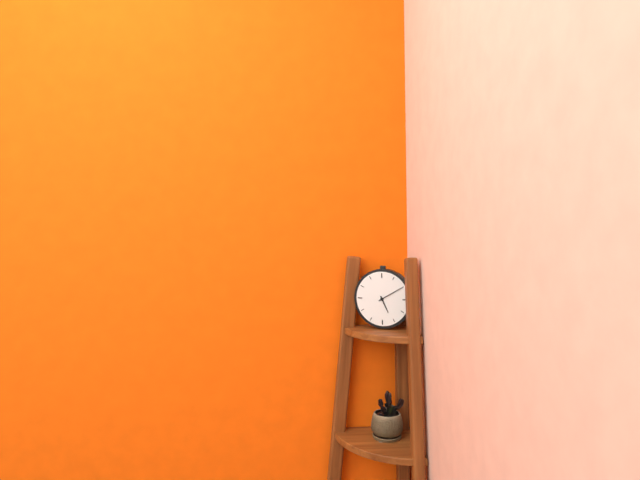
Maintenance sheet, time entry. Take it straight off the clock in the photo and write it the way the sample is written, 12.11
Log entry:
5.10
